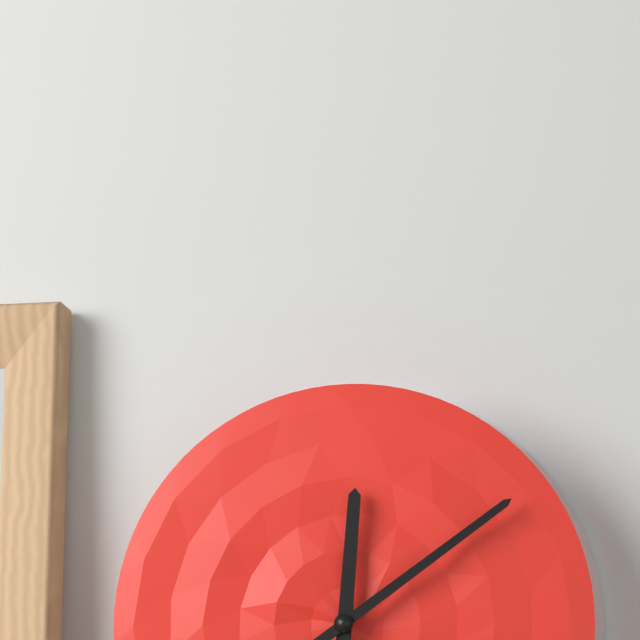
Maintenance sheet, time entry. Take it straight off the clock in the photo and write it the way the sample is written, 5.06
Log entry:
12.09
